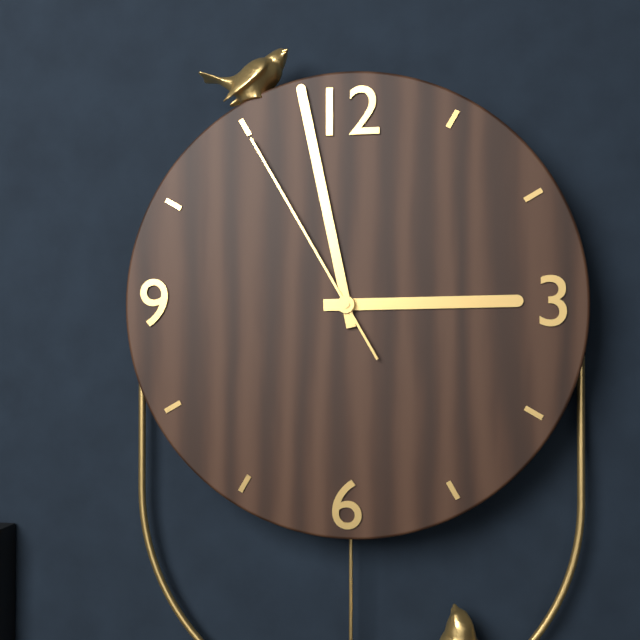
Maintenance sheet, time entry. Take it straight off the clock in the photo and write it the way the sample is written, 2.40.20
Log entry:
2.58.55
